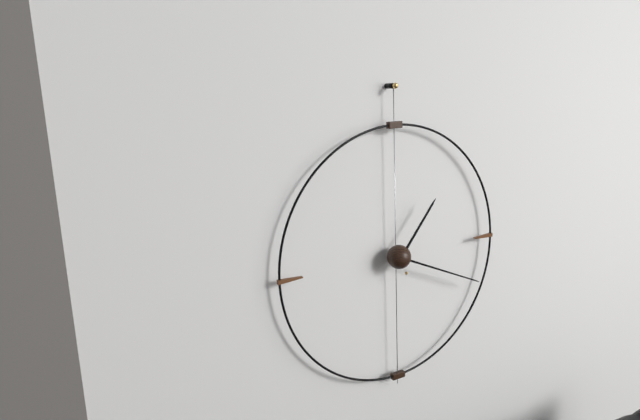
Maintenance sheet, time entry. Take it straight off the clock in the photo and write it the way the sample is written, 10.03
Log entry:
1.19
